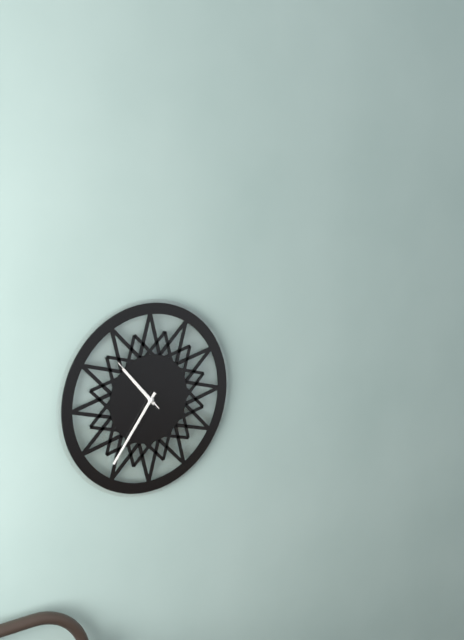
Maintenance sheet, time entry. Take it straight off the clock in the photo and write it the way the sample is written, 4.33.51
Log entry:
10.36.53
